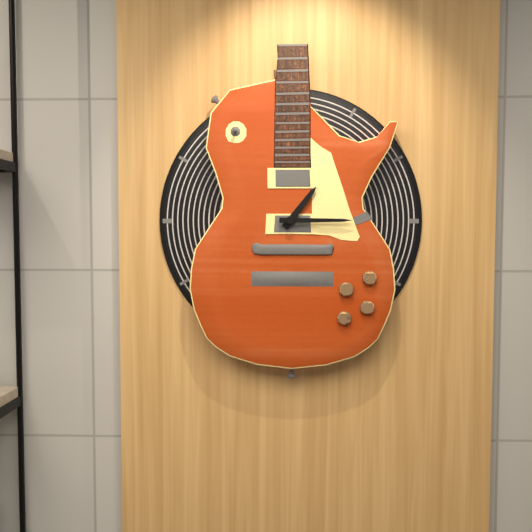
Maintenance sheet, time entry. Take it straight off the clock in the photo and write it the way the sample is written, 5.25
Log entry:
1.15
